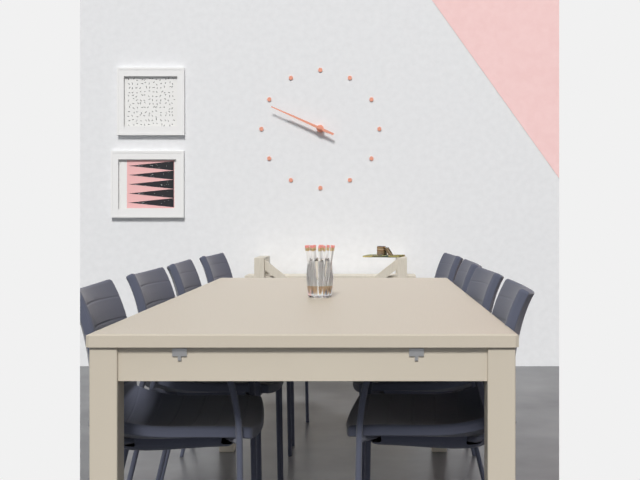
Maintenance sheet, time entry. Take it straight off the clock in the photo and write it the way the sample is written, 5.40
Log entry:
9.49
